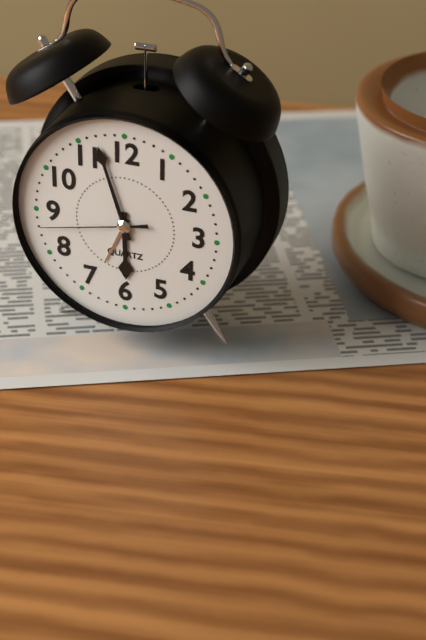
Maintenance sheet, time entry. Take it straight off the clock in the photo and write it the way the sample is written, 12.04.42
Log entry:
5.57.43
